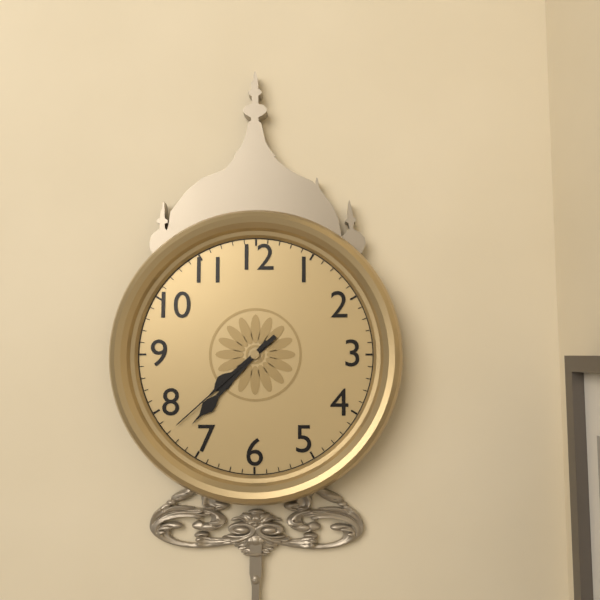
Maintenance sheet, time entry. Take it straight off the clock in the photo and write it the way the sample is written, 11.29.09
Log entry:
7.37.38
